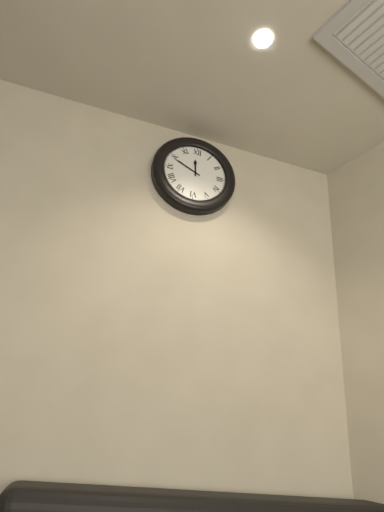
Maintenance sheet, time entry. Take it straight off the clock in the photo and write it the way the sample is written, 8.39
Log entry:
11.49
